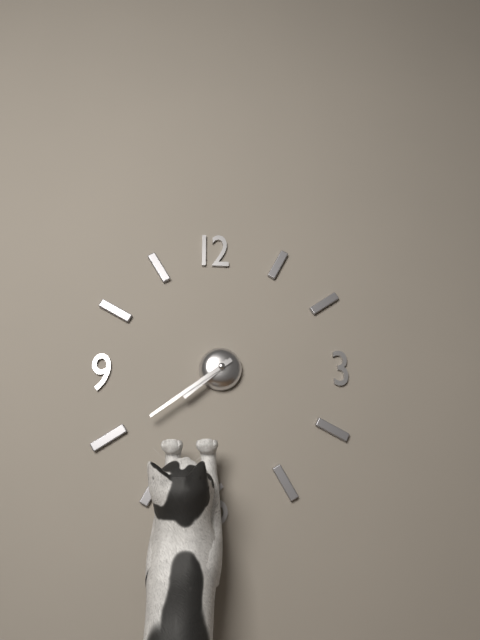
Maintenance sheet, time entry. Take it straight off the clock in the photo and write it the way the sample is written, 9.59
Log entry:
7.39
